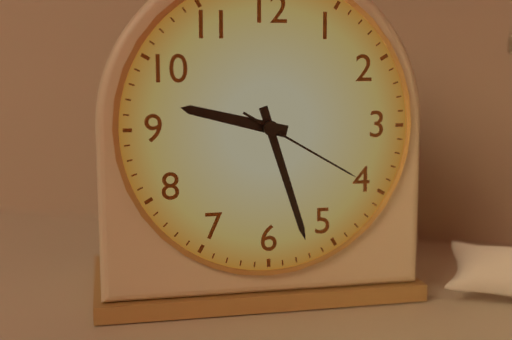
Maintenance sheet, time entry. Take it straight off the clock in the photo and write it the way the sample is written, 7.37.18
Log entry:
9.27.20
